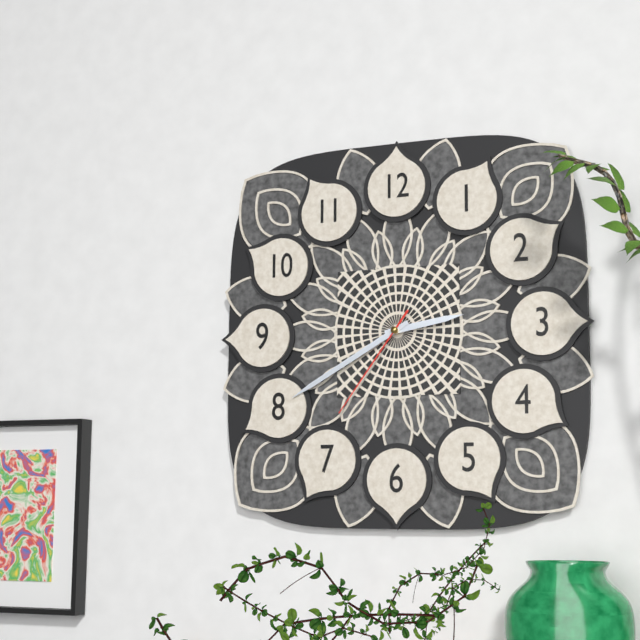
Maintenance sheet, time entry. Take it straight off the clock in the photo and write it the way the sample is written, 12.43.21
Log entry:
2.40.36
